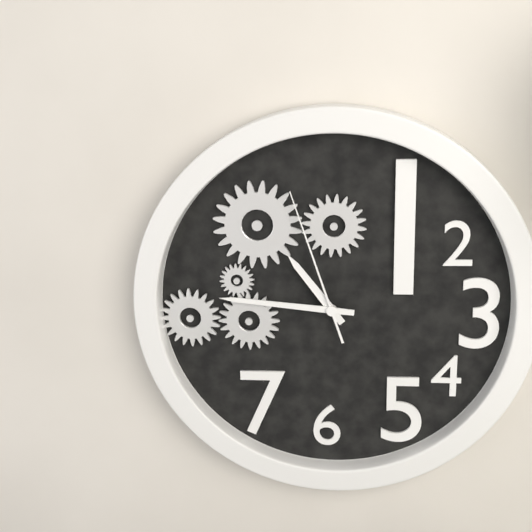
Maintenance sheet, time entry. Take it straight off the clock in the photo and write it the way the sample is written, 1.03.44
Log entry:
10.46.57
